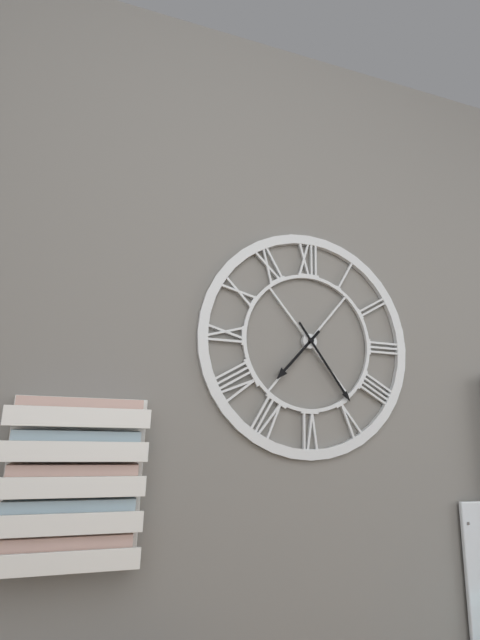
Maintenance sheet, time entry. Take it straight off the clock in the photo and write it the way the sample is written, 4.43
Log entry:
7.24
